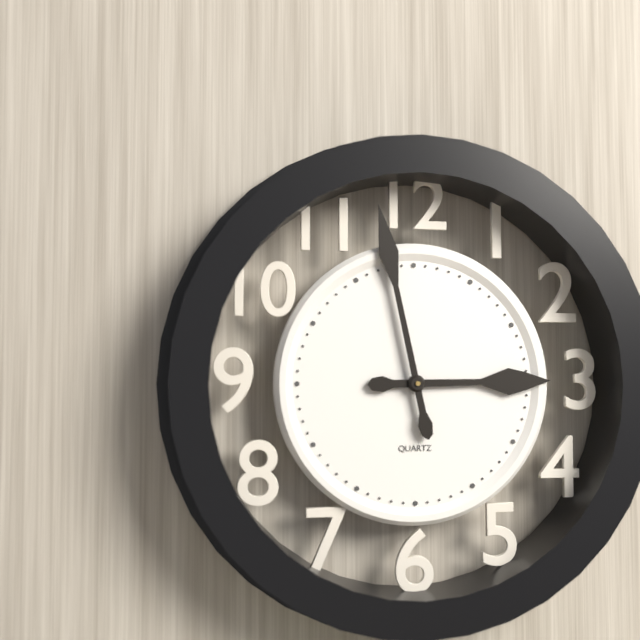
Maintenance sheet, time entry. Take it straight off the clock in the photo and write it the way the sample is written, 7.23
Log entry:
2.58
